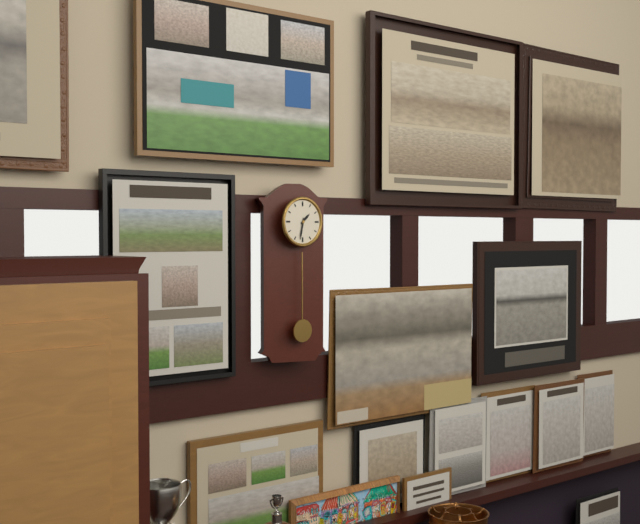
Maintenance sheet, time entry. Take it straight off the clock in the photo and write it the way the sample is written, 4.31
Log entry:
1.32
